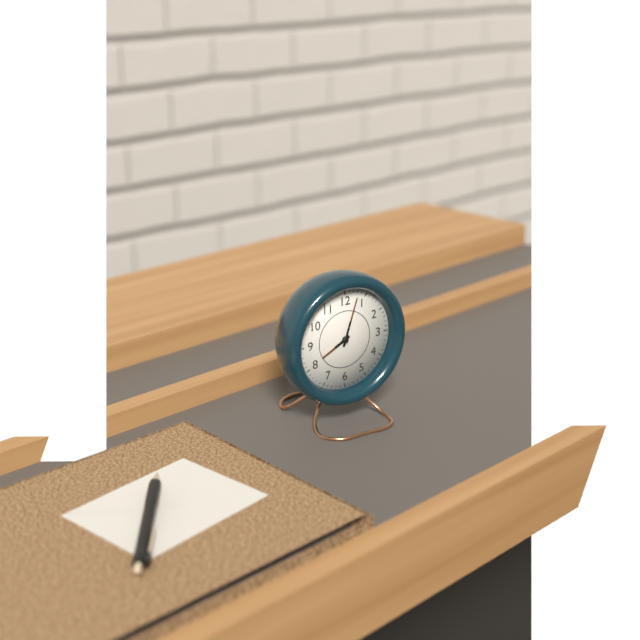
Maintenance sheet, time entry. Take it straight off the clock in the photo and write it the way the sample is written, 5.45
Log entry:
8.03
